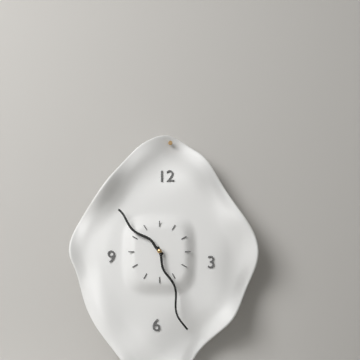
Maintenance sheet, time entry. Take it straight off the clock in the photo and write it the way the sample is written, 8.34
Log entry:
10.27
